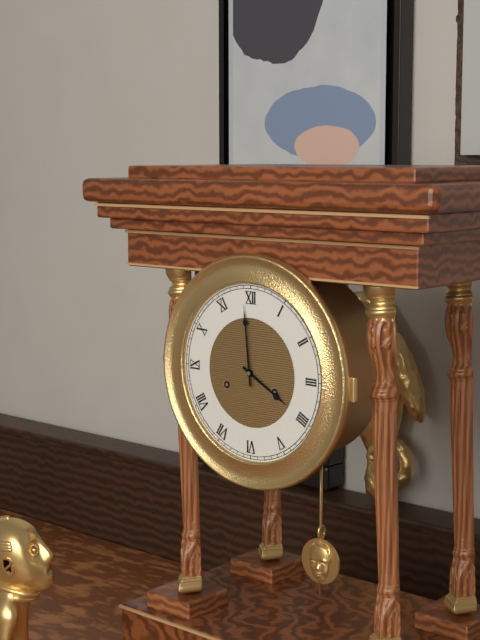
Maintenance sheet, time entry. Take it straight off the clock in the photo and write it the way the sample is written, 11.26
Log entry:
3.59
